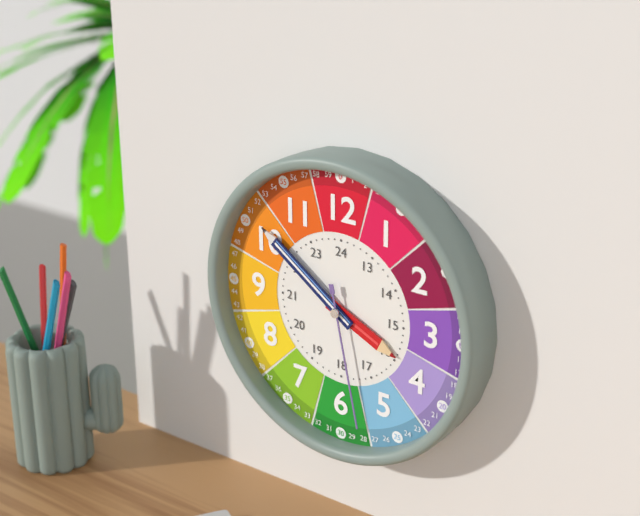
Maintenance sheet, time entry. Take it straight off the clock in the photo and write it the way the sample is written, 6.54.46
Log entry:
3.51.28
